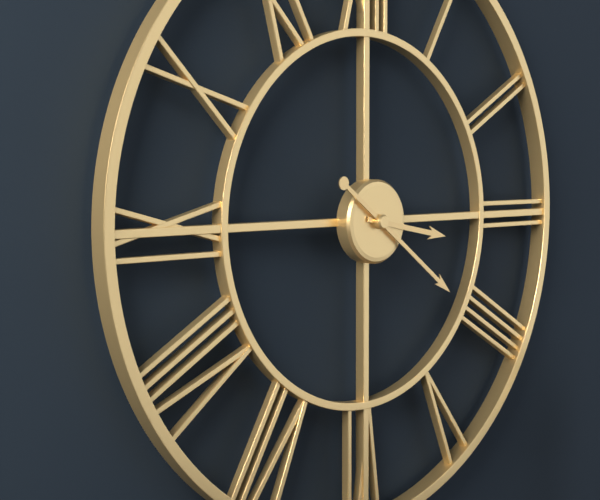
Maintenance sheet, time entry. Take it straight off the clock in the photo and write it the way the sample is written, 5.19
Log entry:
3.21
